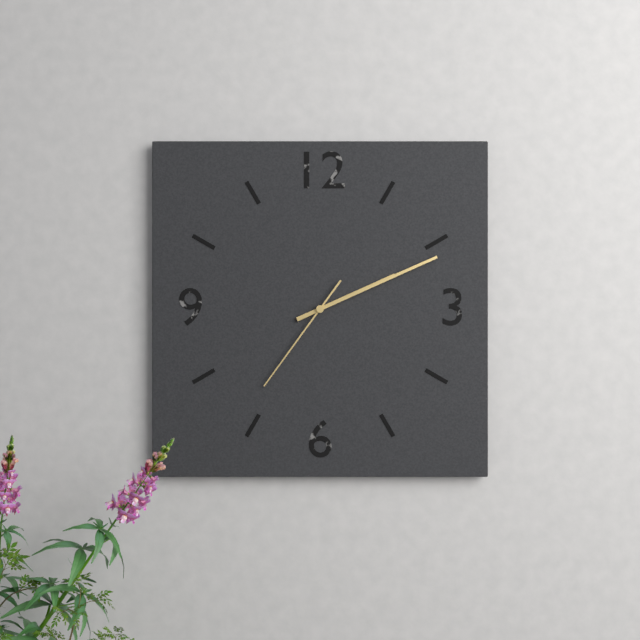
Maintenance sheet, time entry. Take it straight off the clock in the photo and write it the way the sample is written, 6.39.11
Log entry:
2.11.36
